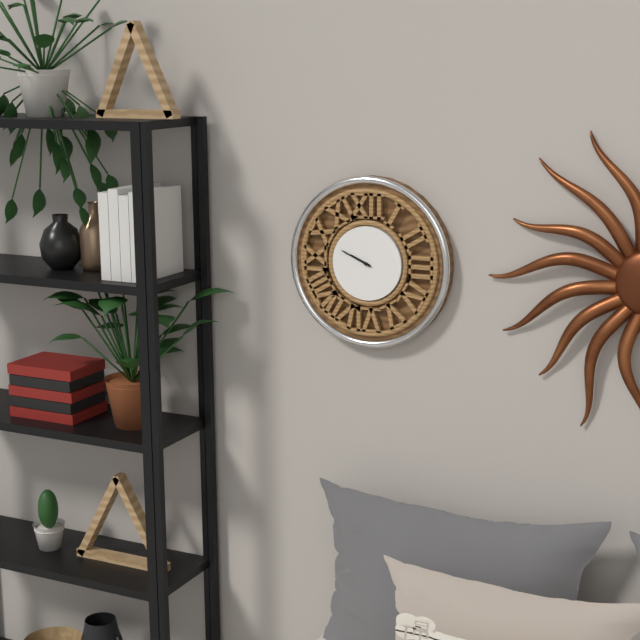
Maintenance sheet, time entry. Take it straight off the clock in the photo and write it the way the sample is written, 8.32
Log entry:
9.49
